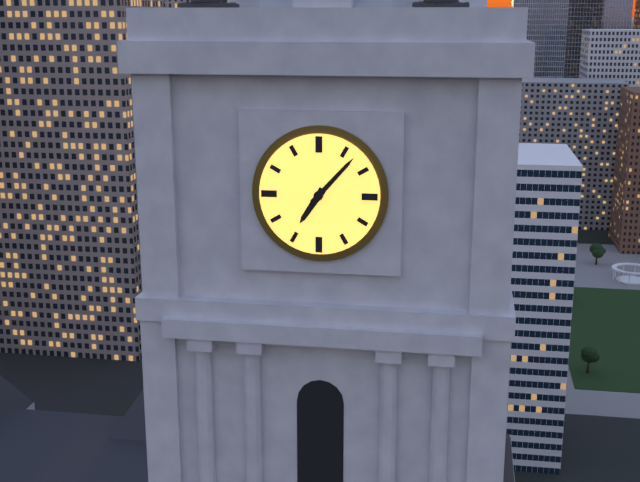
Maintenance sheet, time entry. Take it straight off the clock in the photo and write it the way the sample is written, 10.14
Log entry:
7.07
